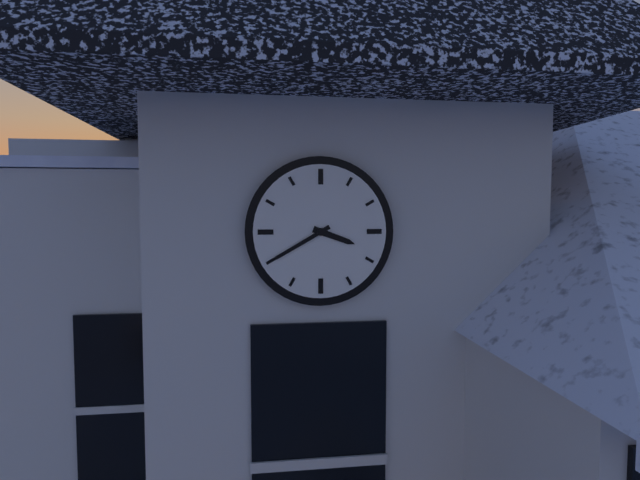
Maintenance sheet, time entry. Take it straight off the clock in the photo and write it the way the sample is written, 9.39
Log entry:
3.40
